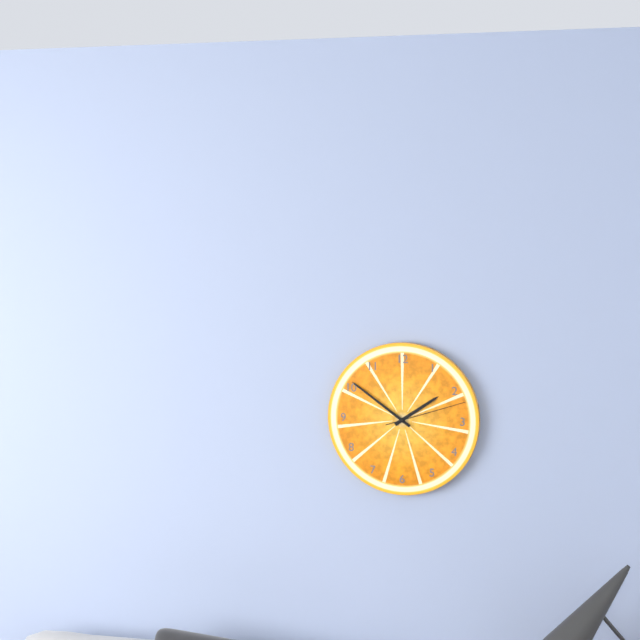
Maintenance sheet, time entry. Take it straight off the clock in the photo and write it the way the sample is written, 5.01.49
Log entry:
1.51.12
